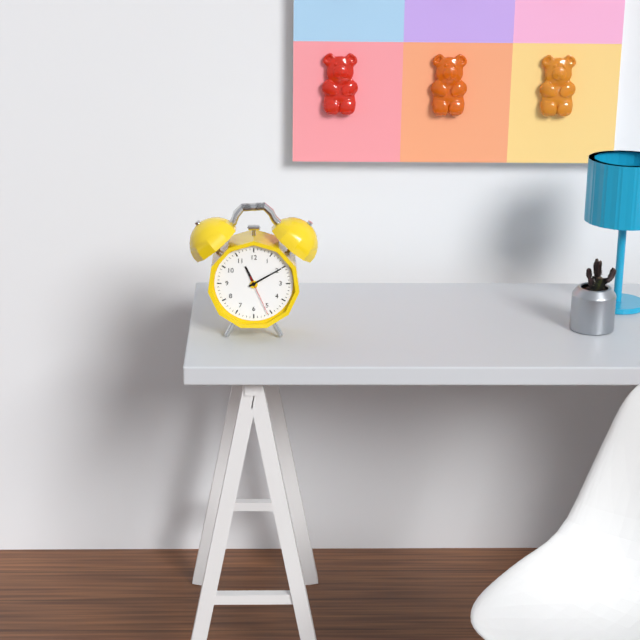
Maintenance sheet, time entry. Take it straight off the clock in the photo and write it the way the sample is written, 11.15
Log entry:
11.10
